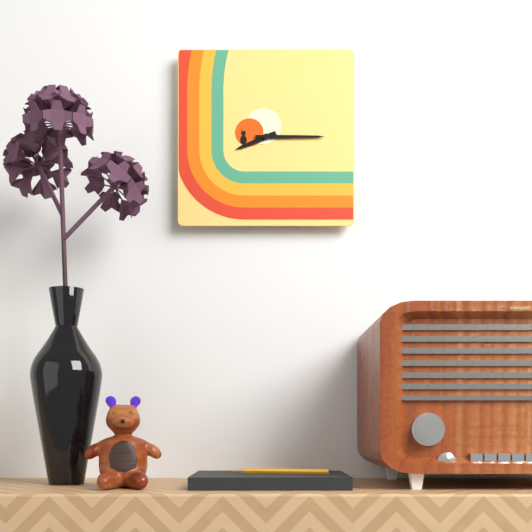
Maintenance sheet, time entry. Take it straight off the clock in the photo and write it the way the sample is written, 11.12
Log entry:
8.15
